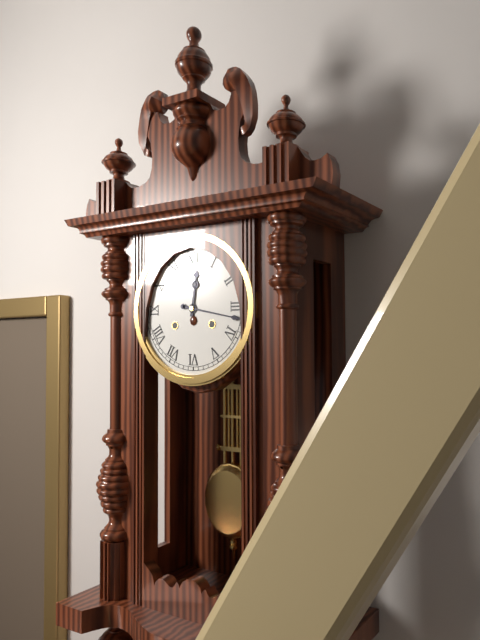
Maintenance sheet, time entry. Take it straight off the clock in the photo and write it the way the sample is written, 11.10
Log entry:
12.17
